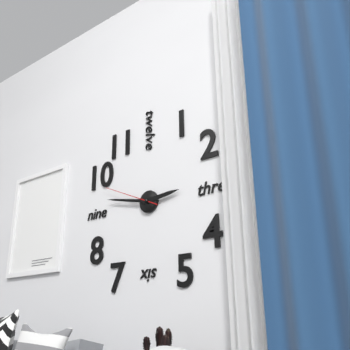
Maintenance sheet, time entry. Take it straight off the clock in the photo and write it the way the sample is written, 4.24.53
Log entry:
2.47.49
